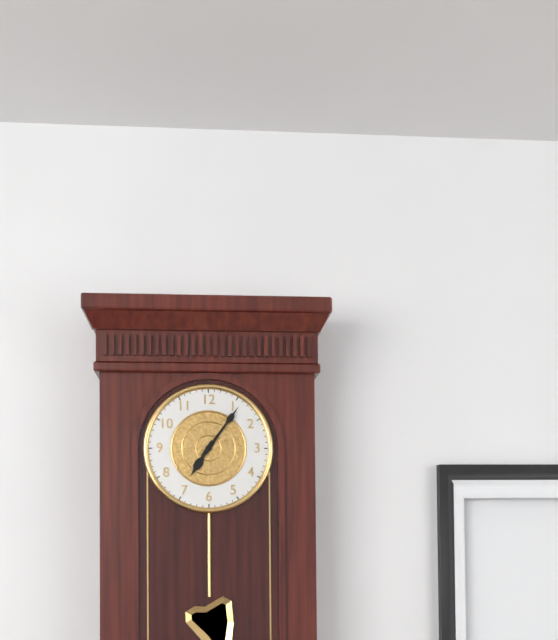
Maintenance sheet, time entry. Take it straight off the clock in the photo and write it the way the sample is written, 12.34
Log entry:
7.06
